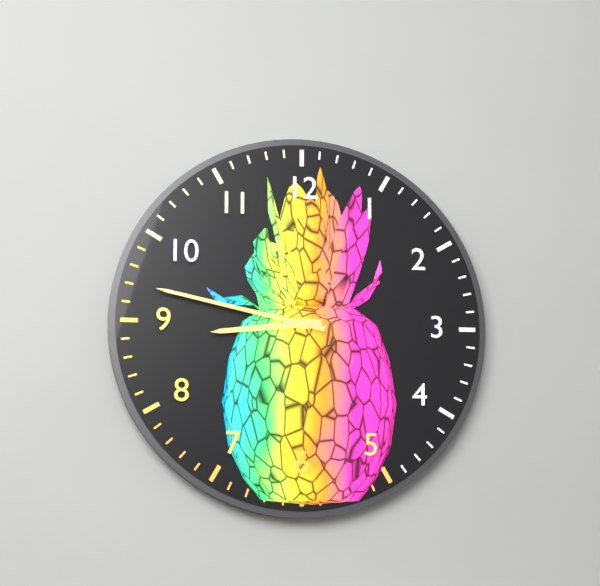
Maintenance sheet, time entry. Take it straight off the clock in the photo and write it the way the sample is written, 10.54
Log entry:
8.47
